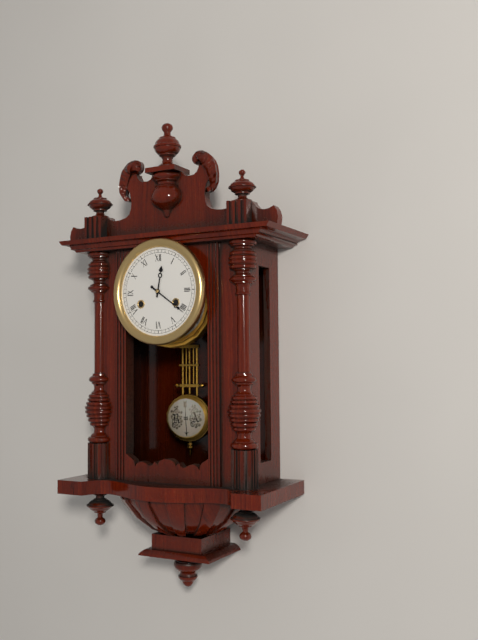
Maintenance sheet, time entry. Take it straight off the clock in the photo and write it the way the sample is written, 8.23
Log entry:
12.21
